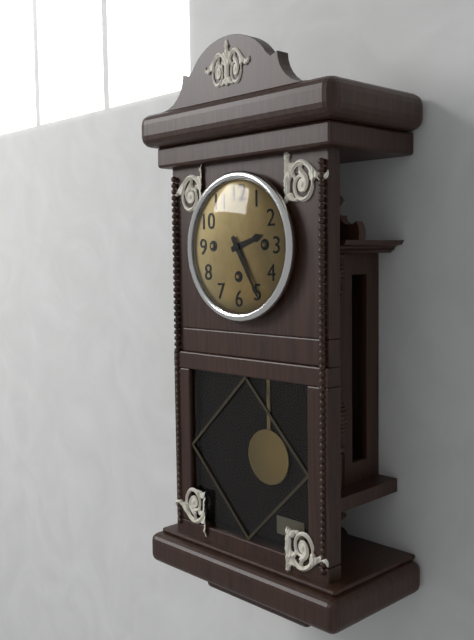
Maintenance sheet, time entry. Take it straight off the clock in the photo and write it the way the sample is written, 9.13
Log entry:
2.25
